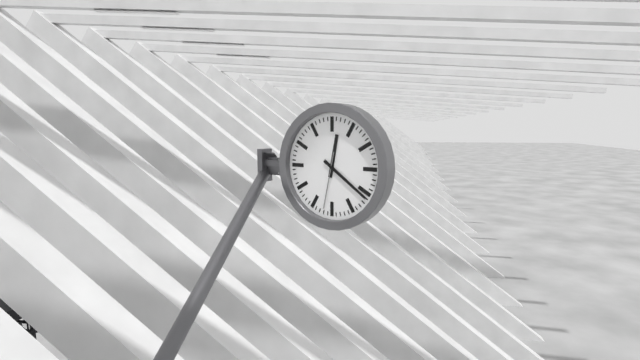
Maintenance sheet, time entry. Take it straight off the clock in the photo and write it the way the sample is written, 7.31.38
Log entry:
12.21.32
